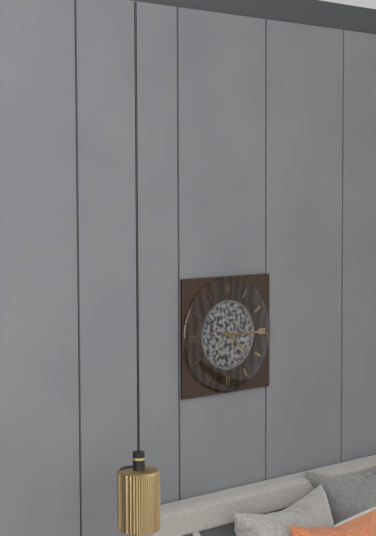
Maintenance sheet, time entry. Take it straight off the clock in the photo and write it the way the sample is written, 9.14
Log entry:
4.15
